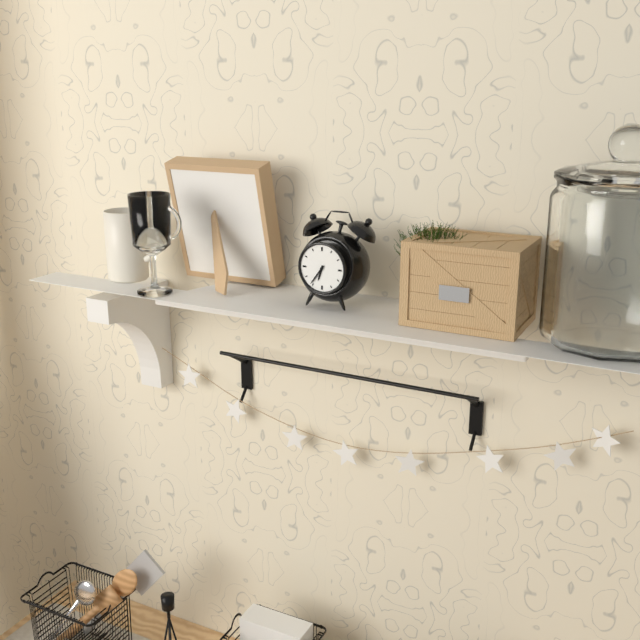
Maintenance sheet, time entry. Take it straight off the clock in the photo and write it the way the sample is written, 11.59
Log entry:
6.36
